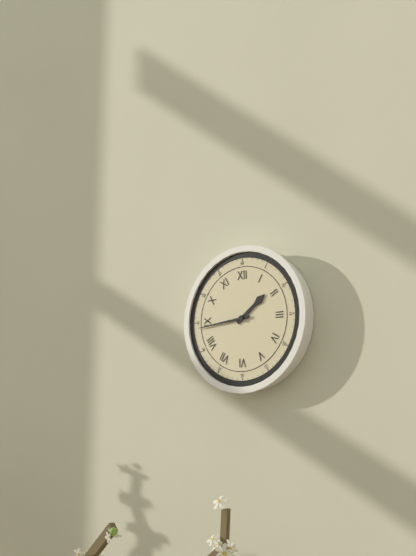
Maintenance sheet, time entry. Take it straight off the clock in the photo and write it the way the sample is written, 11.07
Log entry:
1.44
